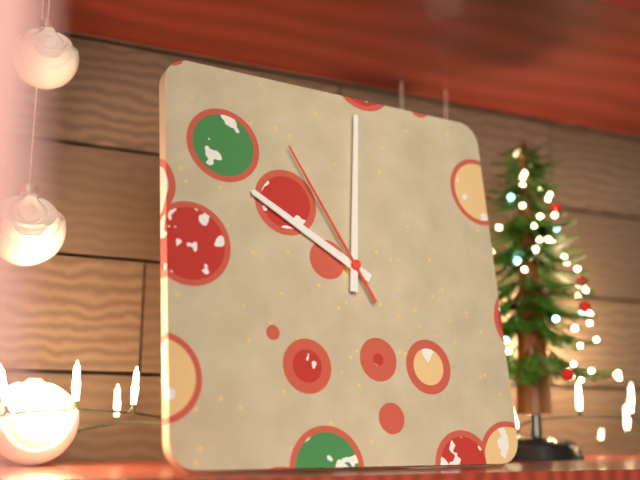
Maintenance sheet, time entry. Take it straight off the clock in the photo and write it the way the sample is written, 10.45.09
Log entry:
10.01.55
